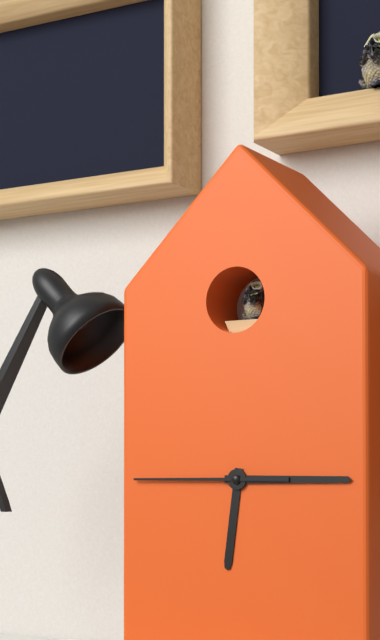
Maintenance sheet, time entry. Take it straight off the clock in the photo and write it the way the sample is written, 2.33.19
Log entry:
6.15.45
